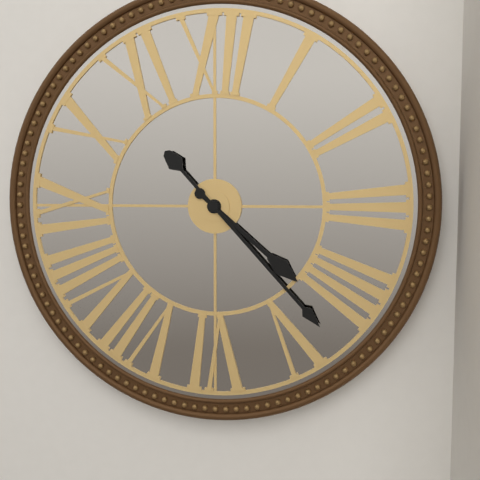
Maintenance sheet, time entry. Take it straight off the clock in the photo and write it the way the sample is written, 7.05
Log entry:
4.23
